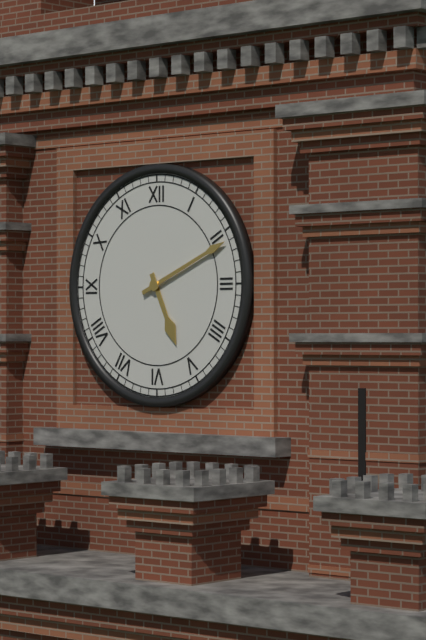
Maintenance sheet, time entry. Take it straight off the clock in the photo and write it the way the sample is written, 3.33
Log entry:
5.11
